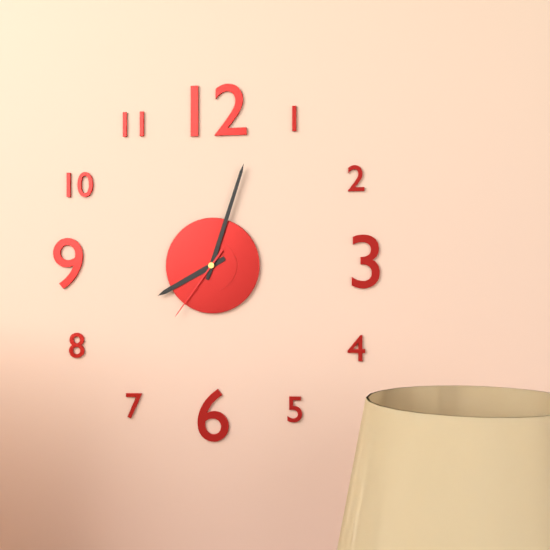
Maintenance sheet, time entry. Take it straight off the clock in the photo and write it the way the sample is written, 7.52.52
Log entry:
8.03.36
